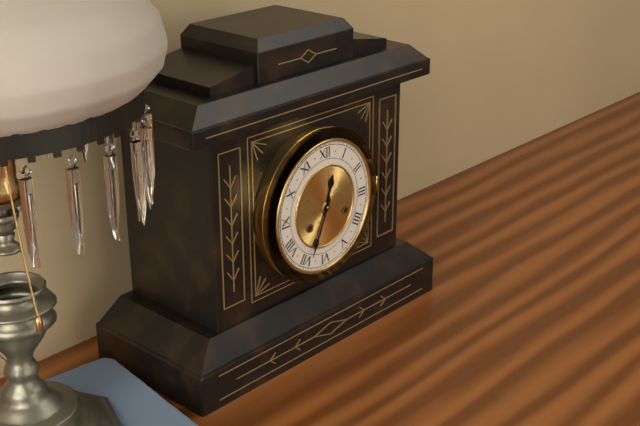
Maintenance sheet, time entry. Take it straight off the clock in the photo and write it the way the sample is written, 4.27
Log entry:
12.34
